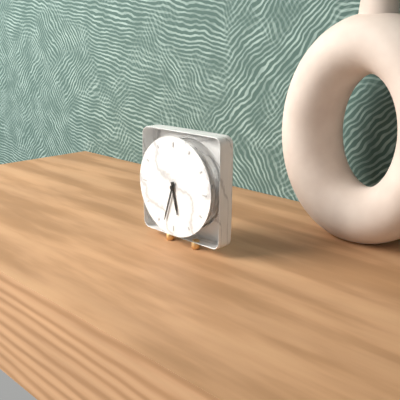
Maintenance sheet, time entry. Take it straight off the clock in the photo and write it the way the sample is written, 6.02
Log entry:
5.33
